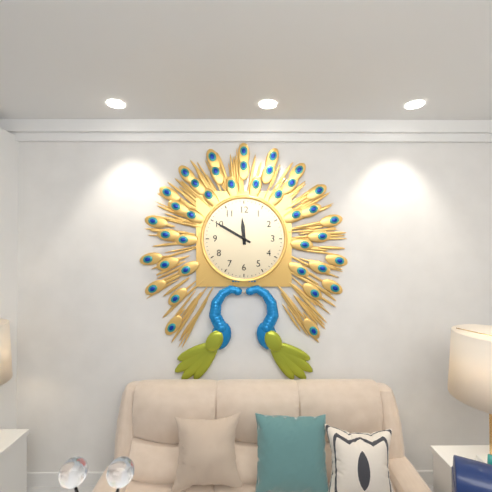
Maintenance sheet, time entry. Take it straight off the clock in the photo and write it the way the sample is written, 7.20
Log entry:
11.50
